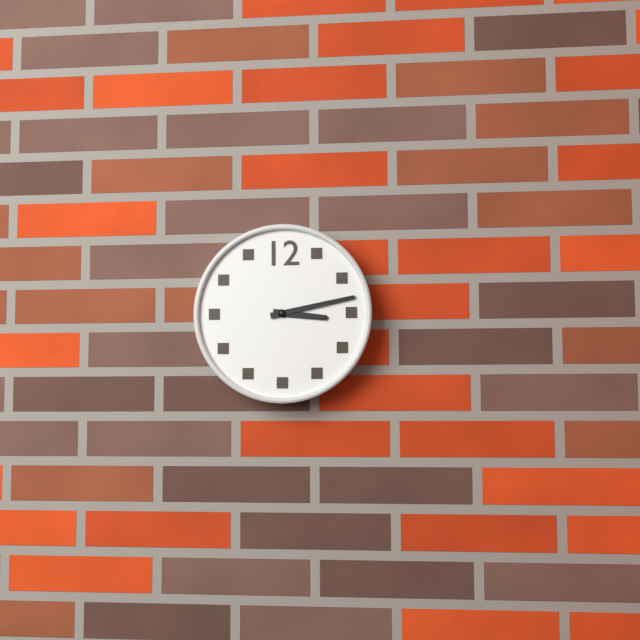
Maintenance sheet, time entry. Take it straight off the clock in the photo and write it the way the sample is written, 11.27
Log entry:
3.13
